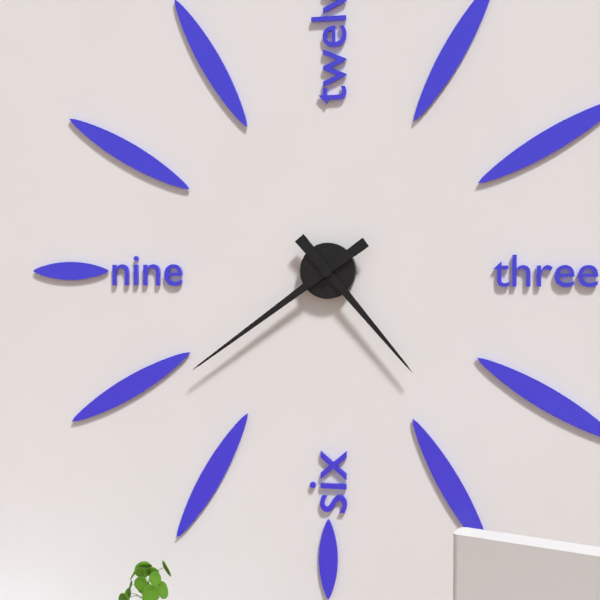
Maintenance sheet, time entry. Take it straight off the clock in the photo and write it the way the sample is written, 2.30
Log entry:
4.39
